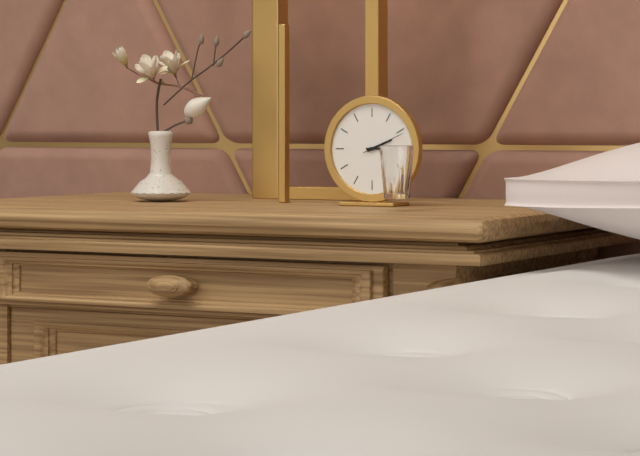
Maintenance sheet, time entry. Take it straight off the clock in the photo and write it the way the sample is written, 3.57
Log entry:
2.15
